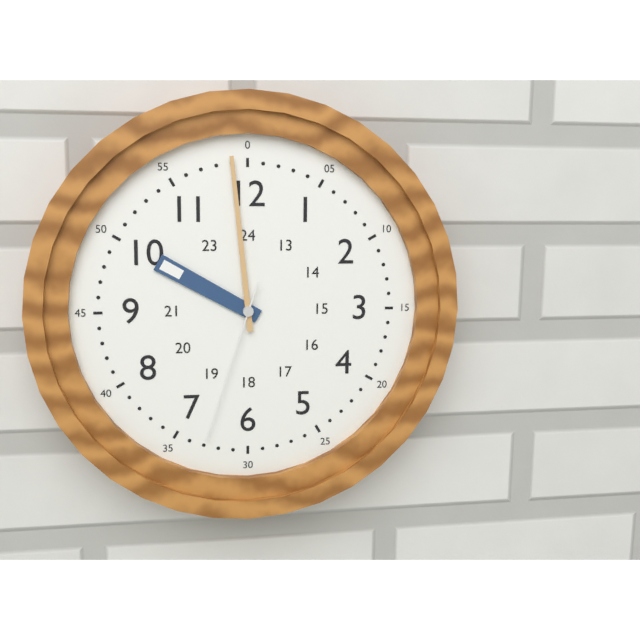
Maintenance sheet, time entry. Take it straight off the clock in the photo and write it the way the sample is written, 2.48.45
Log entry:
9.59.33
